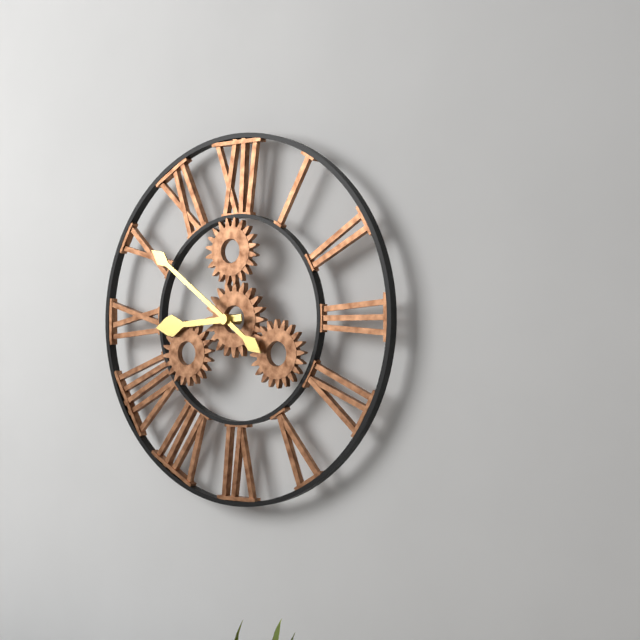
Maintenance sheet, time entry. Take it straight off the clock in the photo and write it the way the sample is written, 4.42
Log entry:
8.51
